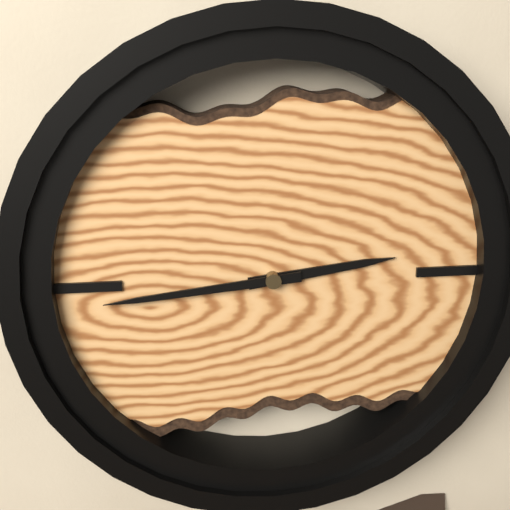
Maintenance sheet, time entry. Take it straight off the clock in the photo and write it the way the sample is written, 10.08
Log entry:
2.44
